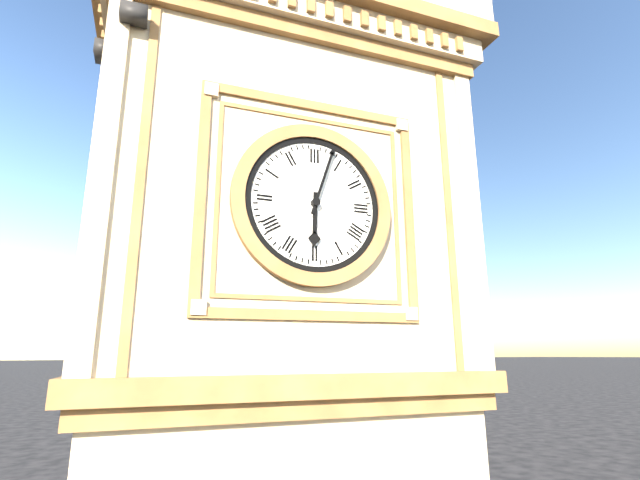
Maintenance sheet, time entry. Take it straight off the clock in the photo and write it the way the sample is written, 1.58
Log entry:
6.03
